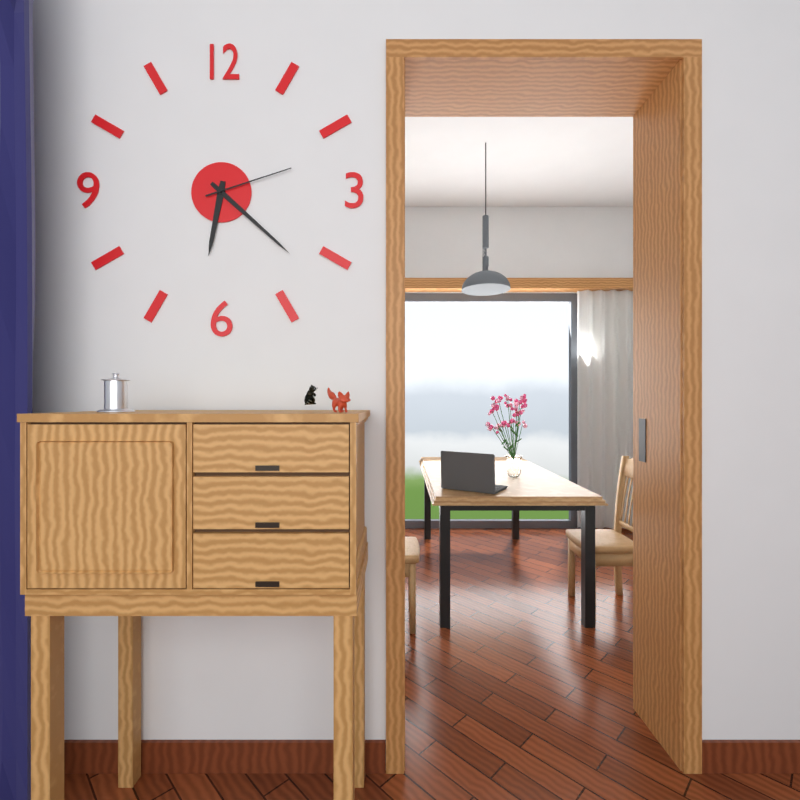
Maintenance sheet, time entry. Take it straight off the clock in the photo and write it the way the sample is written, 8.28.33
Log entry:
6.22.12
